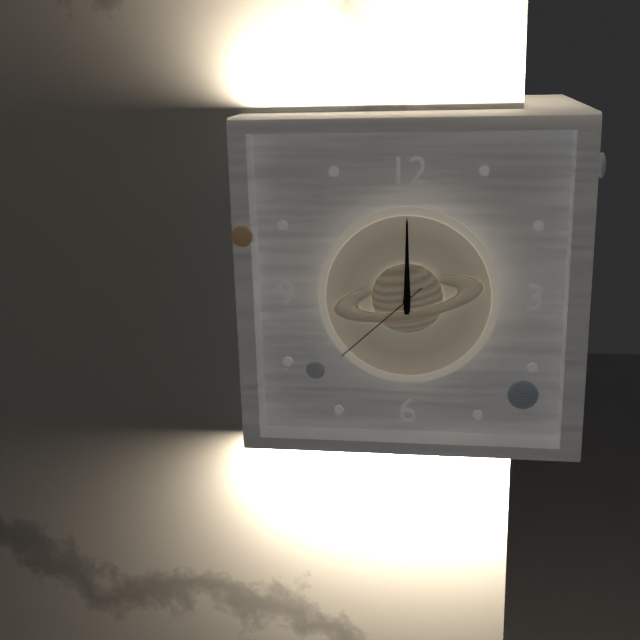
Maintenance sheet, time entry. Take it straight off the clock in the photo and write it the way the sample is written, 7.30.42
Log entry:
12.00.38
